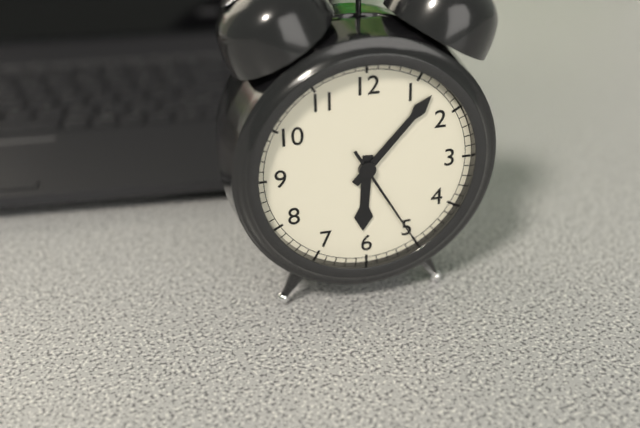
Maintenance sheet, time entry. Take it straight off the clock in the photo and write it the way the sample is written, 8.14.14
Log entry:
6.07.25
